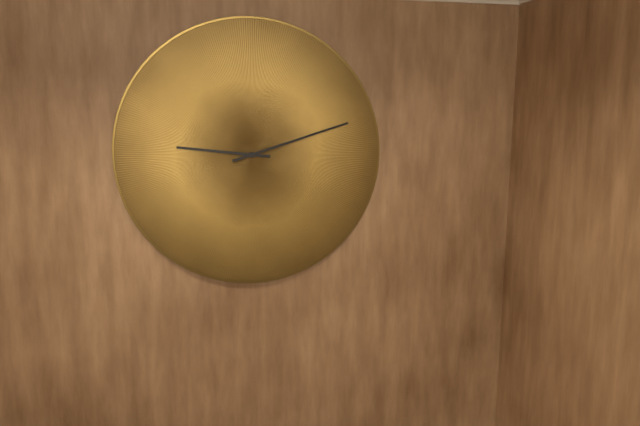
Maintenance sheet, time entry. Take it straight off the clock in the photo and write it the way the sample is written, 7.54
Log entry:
9.12
